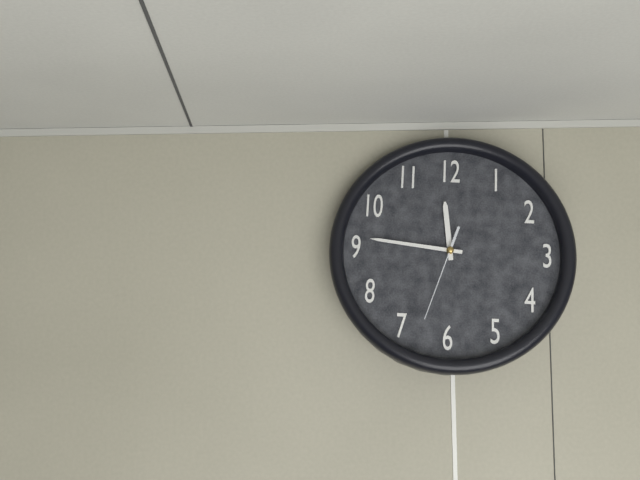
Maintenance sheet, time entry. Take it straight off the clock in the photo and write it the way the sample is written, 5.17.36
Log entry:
11.46.33
